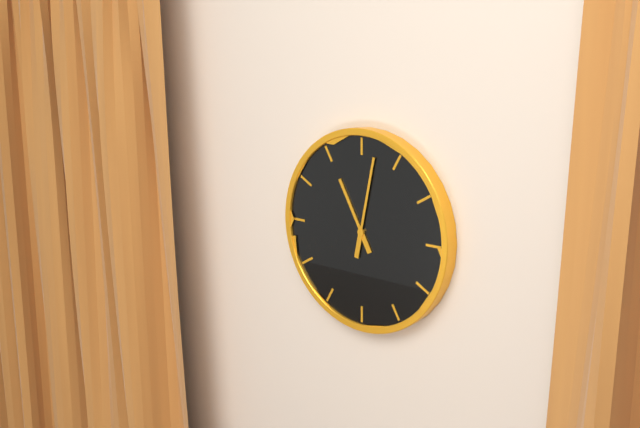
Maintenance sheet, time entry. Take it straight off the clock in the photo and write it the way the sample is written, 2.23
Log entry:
11.02
